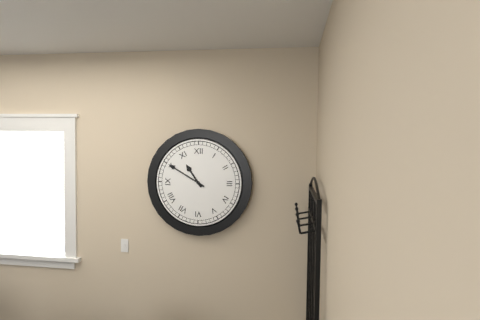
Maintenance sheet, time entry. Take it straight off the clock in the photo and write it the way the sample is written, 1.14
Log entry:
10.50
